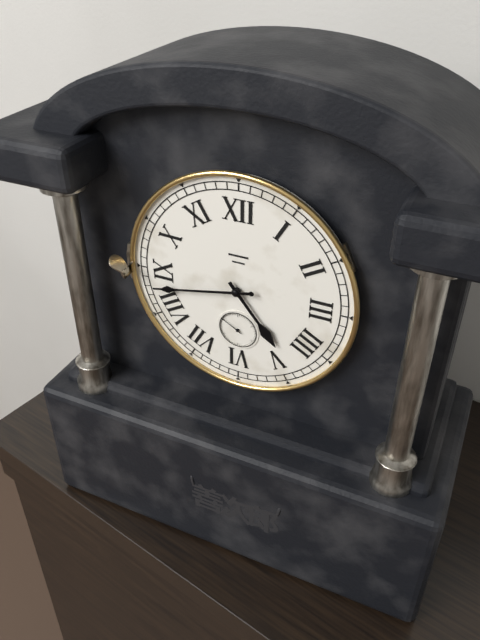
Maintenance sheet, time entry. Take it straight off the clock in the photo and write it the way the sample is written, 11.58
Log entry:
4.43
